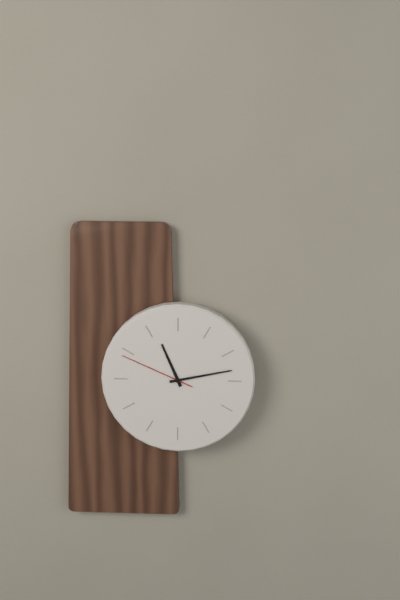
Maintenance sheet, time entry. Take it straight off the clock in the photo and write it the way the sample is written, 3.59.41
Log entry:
11.13.49
